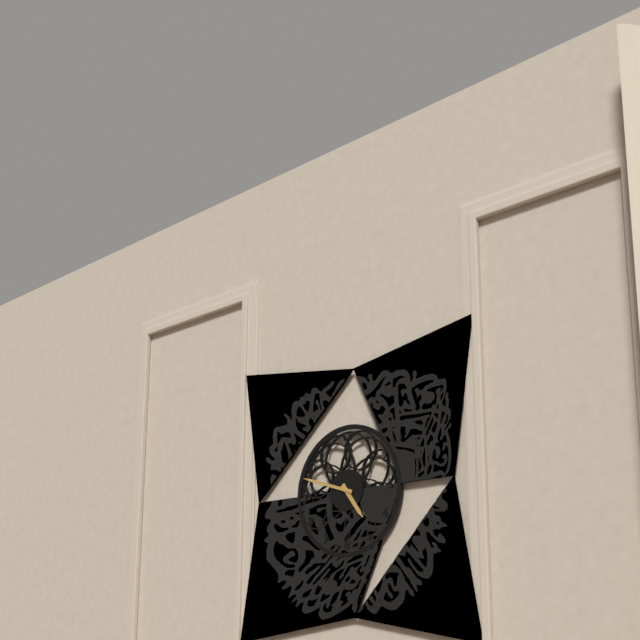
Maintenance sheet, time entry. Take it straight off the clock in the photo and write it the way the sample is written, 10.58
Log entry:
4.48
